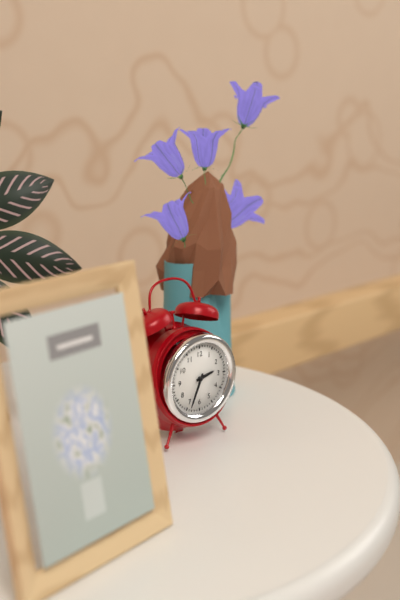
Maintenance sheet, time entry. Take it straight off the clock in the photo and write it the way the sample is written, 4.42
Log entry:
2.34
